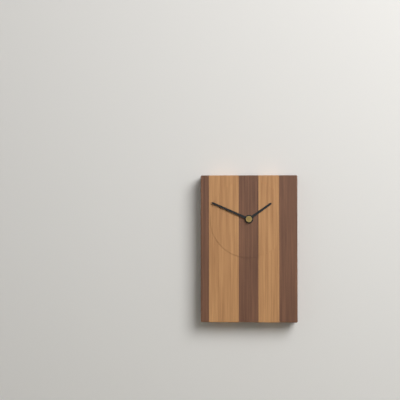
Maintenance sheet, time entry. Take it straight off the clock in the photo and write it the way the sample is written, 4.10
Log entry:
1.49
